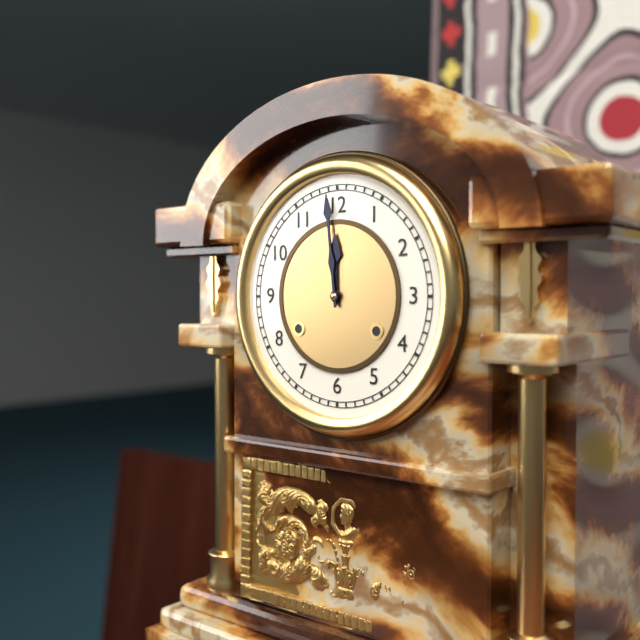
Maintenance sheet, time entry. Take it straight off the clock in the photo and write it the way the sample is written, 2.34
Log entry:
11.59
